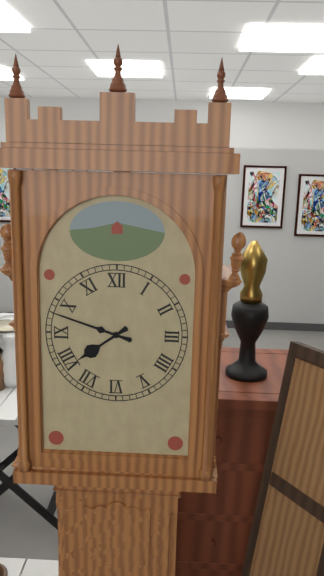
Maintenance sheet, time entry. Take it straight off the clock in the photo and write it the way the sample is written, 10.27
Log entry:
7.48
